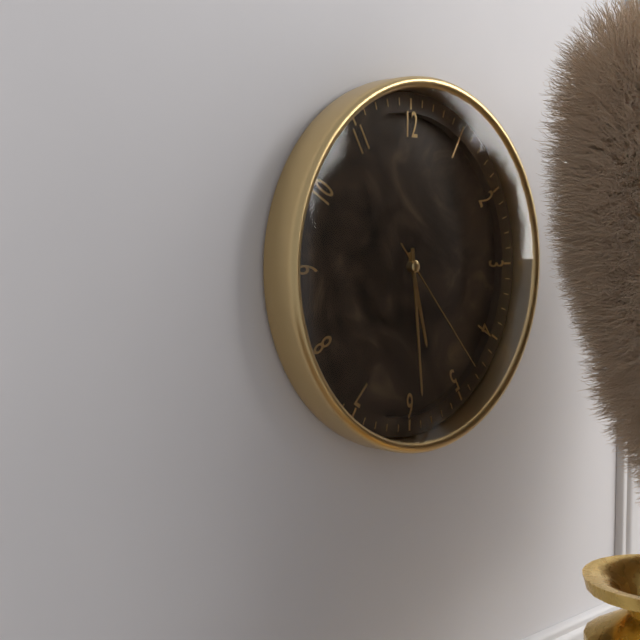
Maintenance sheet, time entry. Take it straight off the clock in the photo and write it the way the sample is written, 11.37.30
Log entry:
5.29.23
